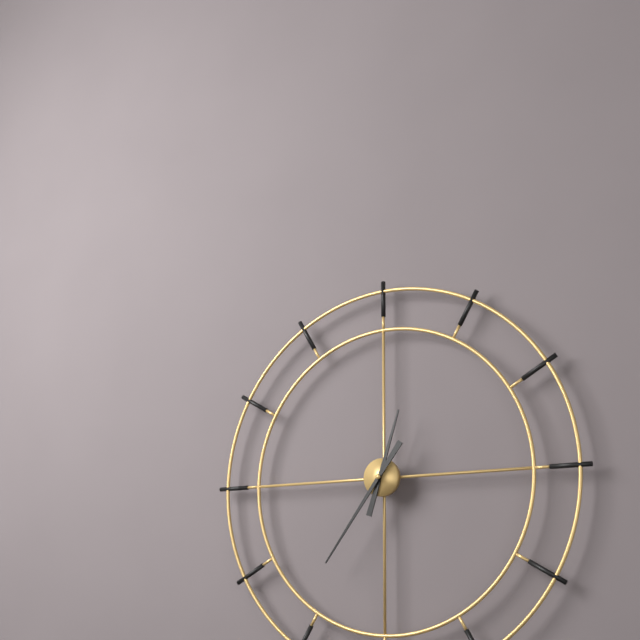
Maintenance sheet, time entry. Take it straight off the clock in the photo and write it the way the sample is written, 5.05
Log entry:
12.36
